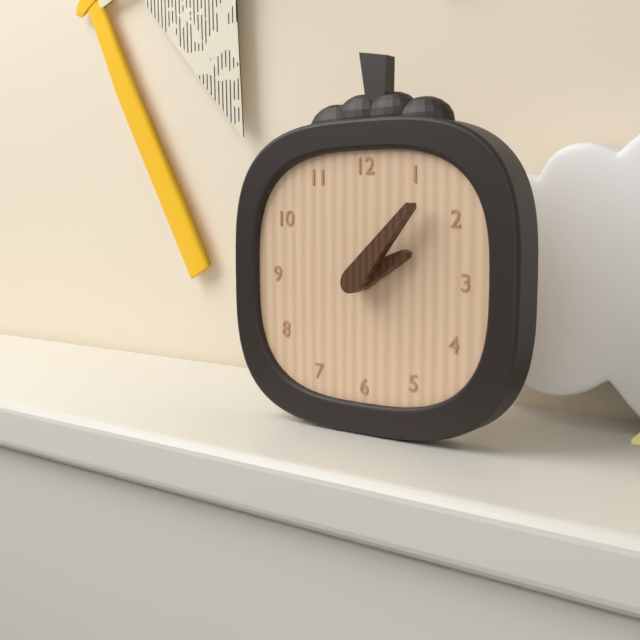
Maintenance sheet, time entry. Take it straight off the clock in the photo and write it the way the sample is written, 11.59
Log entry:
2.07
